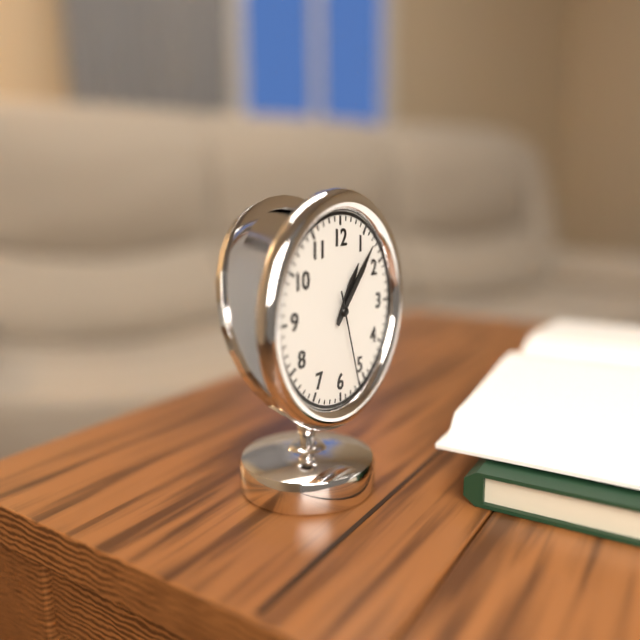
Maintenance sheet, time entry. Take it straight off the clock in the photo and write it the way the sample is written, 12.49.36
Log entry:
1.07.27
